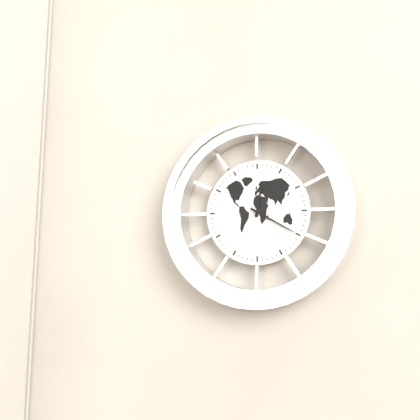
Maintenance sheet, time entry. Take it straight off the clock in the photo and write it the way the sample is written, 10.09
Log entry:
12.20
